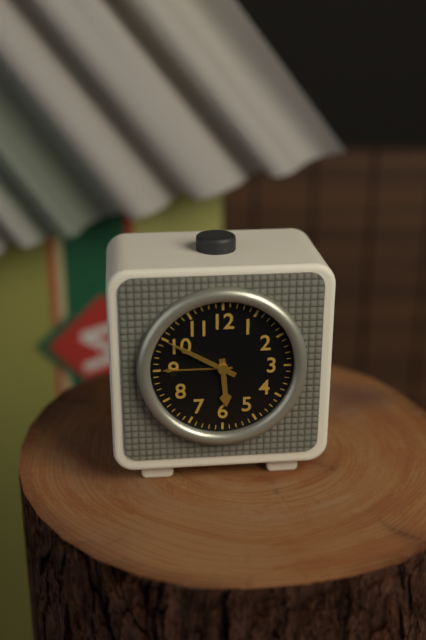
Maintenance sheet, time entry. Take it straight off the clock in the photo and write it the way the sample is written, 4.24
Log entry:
5.50
